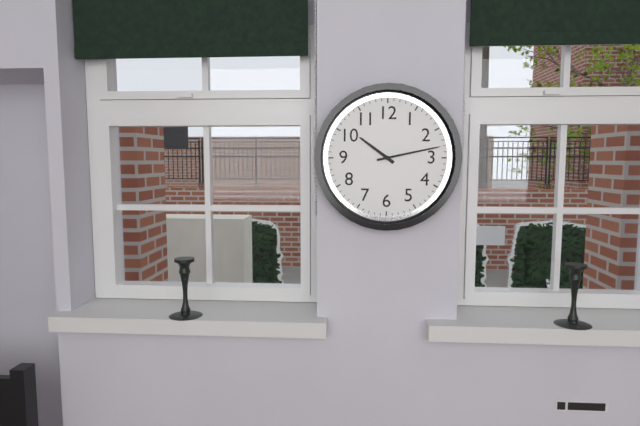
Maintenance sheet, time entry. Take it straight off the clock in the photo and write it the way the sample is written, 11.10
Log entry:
10.13
